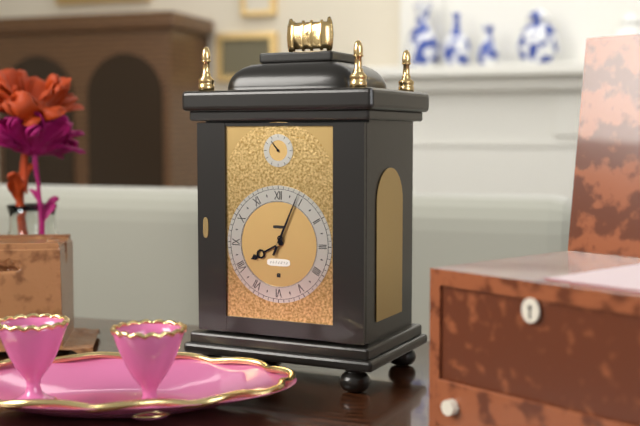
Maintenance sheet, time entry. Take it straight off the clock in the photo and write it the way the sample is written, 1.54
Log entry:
8.04
